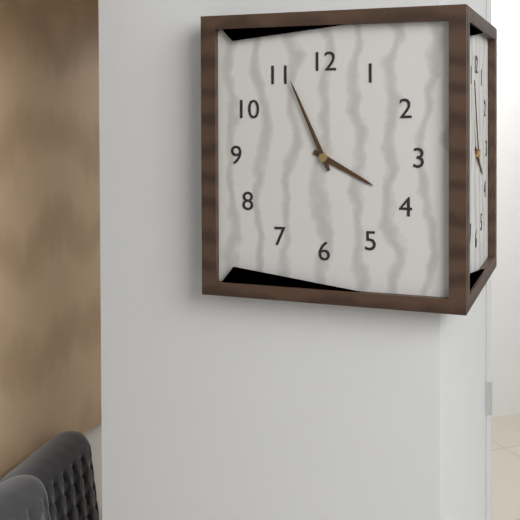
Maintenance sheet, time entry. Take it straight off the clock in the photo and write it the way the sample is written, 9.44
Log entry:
3.56
